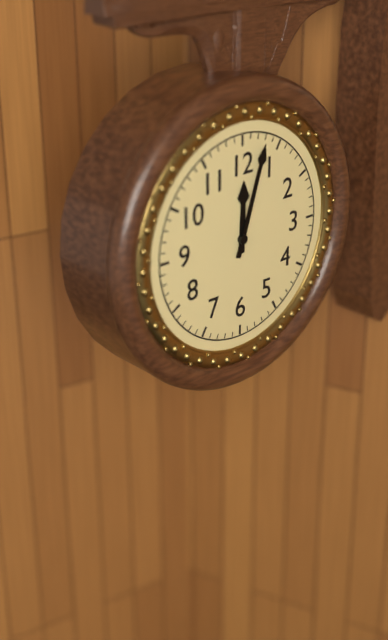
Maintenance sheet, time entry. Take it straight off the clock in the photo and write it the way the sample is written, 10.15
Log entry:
12.03
